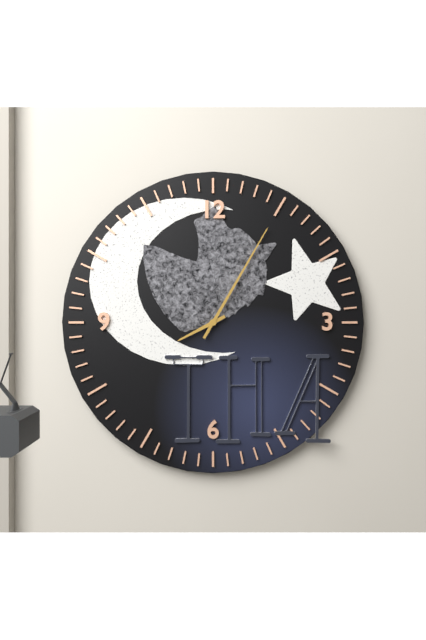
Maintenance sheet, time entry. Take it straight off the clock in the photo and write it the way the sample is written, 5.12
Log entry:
8.05
